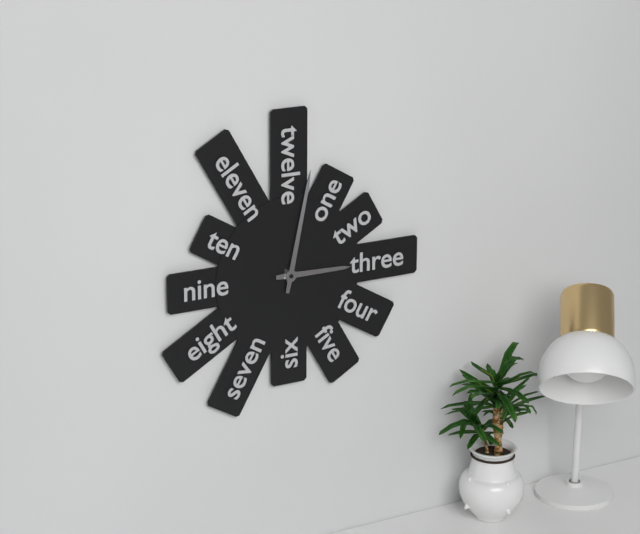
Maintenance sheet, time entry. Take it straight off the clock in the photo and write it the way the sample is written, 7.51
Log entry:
3.02
